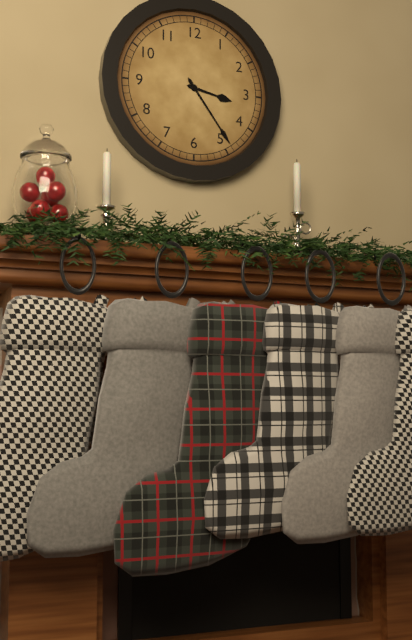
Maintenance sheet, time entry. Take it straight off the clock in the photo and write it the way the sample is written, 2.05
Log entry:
3.24
